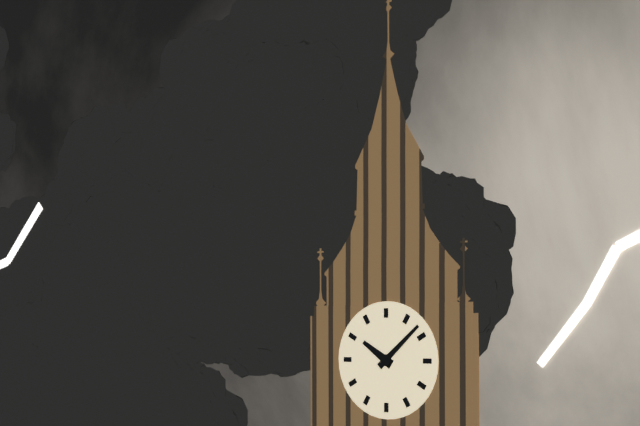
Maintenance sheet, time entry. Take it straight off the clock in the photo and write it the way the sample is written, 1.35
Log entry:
10.08
